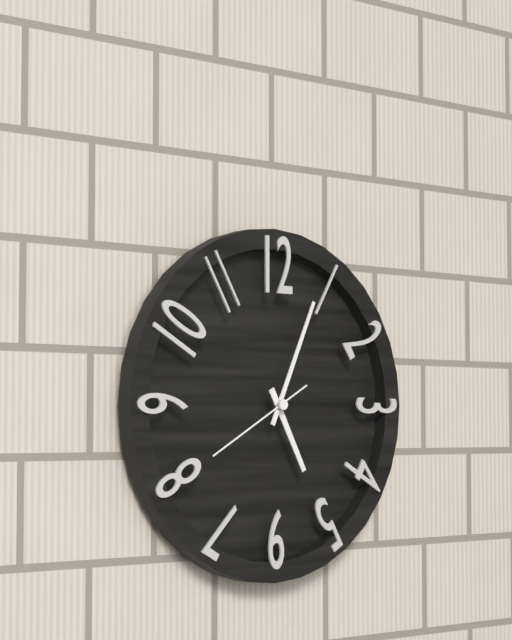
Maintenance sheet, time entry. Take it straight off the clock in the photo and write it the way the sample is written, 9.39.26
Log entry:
5.04.40
